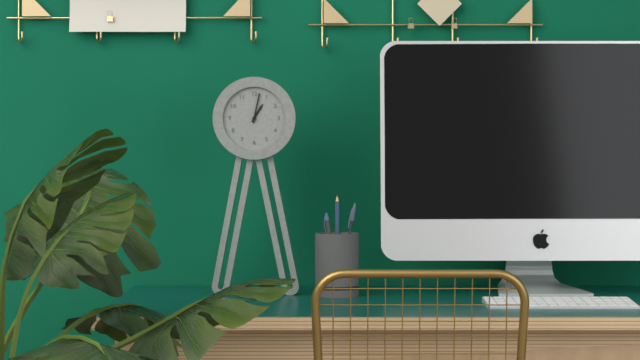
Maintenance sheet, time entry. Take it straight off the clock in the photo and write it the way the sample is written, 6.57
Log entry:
1.02
